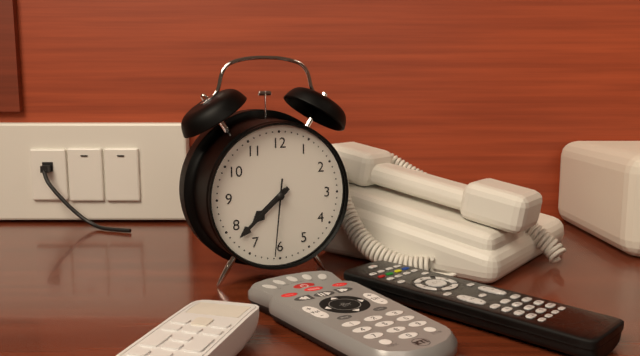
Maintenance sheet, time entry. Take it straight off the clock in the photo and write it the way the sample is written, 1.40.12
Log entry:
7.38.31
